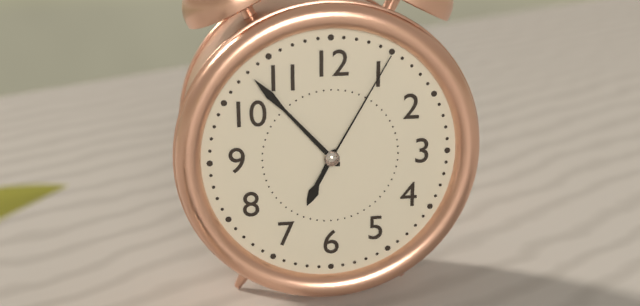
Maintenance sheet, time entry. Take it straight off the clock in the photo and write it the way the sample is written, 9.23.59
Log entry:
6.53.05
